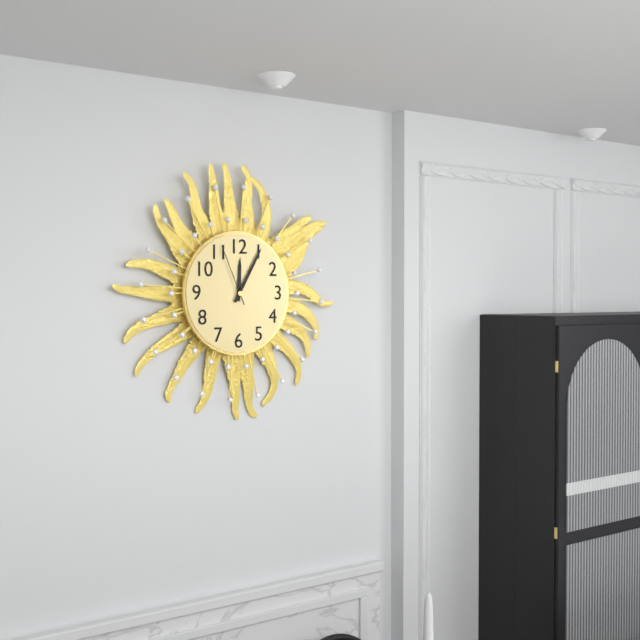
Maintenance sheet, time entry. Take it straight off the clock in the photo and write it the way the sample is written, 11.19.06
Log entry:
12.05.56
